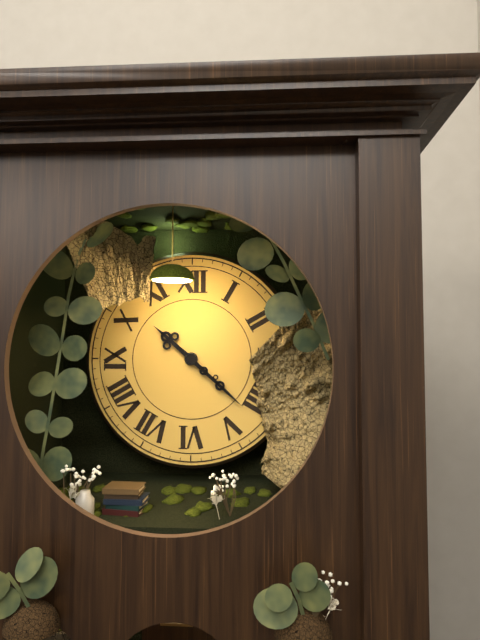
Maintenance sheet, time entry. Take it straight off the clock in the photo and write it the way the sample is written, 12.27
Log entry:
10.22
